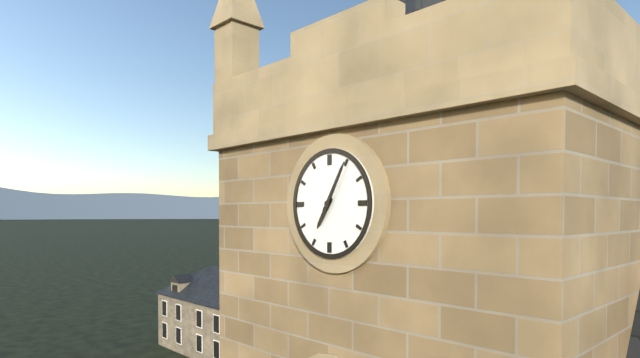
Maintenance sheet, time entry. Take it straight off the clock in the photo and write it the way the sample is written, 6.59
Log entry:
7.05
